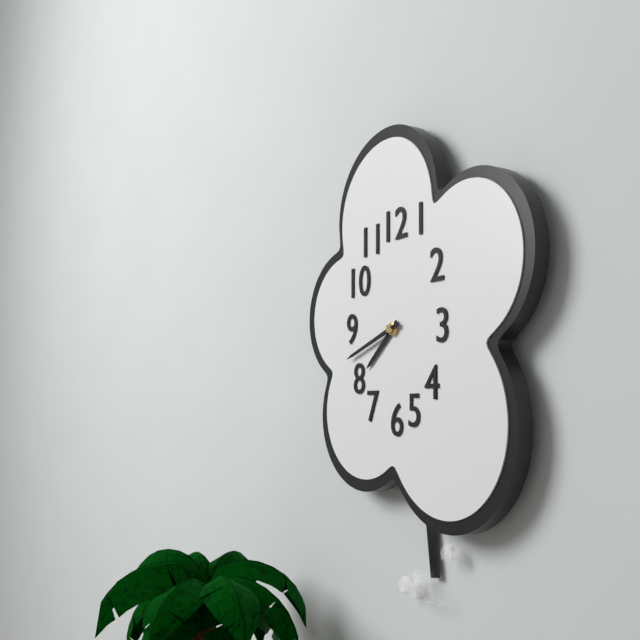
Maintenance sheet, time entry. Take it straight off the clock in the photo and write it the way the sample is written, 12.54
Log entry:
7.42
